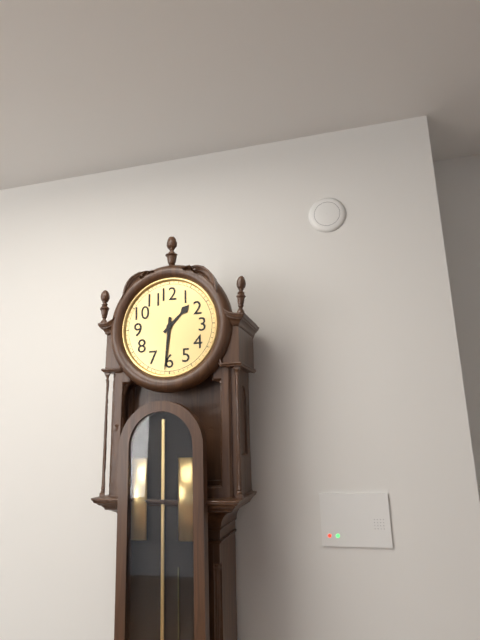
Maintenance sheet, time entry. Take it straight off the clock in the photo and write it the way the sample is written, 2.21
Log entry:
1.31
